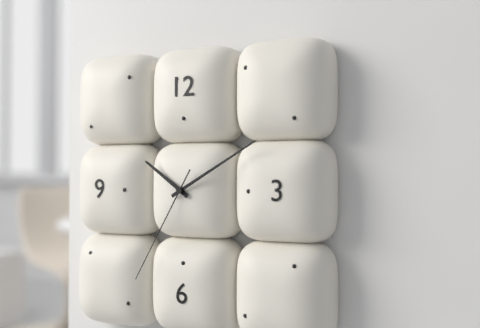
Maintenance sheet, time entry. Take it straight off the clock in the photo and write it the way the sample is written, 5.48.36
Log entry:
10.10.35
